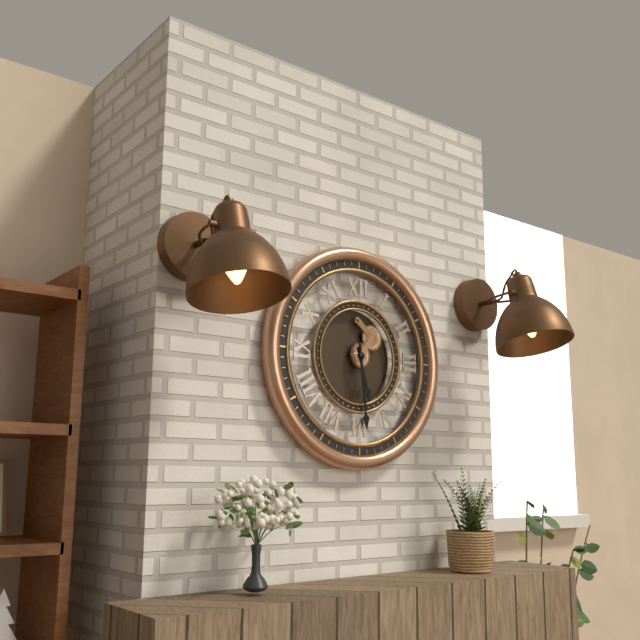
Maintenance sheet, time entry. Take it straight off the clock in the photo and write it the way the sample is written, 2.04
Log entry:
5.29
